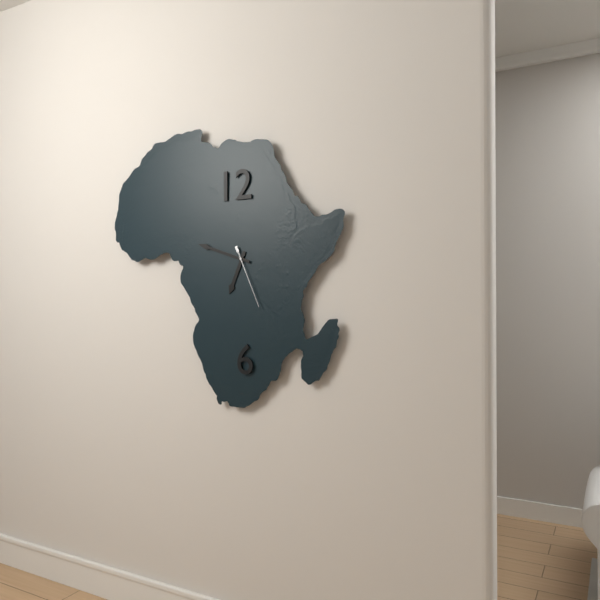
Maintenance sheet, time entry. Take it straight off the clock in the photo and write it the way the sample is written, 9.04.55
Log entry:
6.48.26
